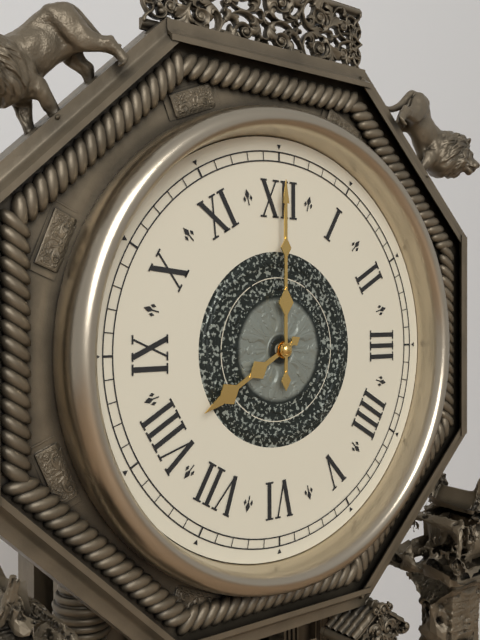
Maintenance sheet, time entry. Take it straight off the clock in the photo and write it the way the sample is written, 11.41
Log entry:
8.00
